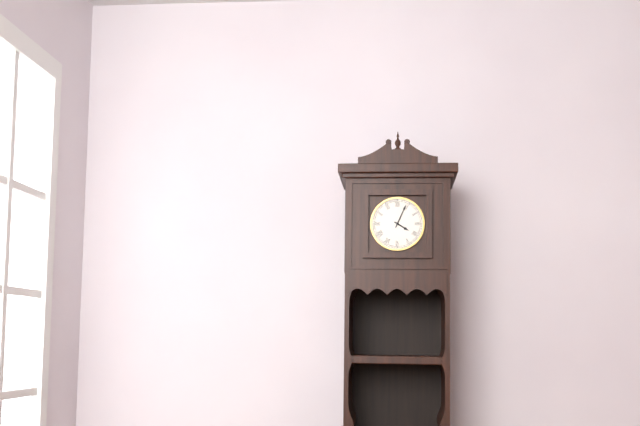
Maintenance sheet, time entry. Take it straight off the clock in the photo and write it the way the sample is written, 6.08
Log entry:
4.04
